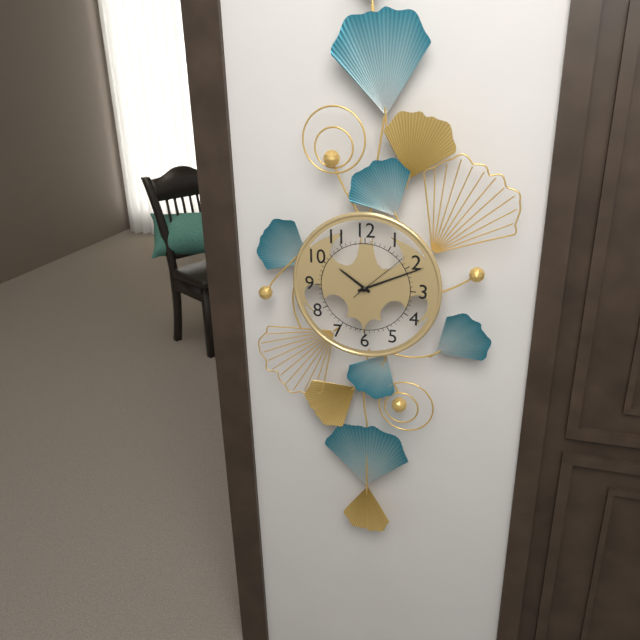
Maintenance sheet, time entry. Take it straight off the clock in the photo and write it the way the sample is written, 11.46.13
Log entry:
10.11.08
